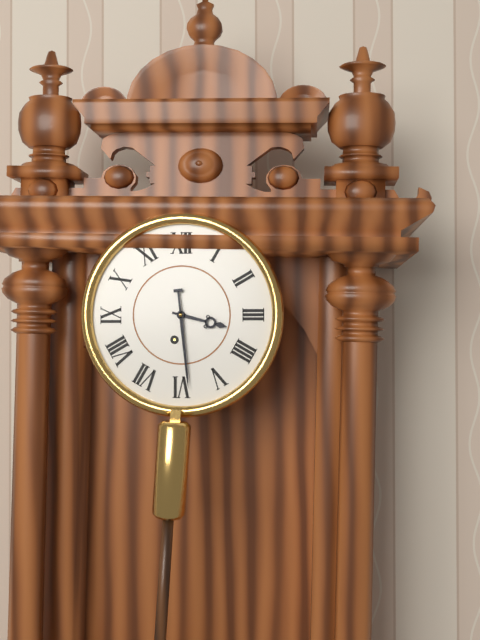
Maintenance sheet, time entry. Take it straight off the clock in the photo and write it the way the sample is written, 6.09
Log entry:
3.29
